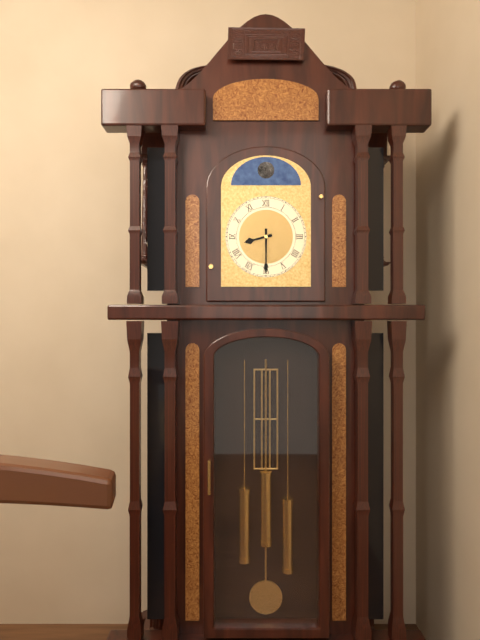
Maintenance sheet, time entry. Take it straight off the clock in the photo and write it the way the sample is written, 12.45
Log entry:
8.30
